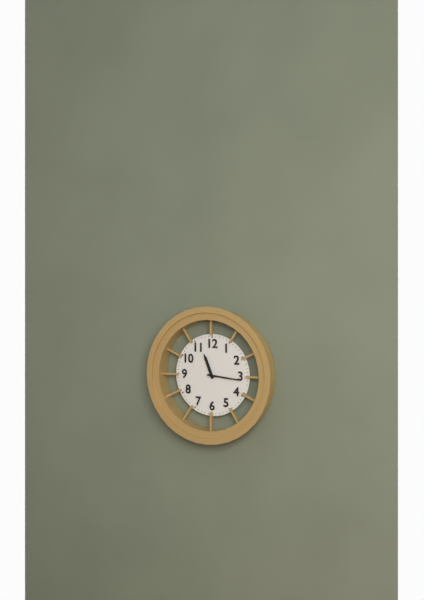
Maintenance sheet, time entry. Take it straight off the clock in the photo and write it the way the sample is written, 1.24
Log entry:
11.16
